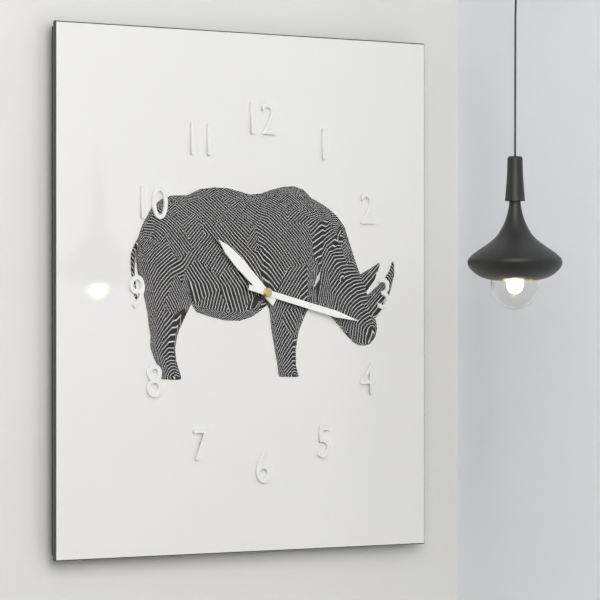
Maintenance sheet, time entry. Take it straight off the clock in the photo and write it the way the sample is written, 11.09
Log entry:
10.17
